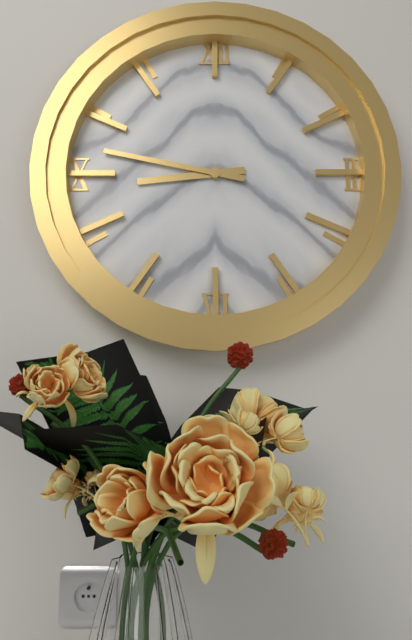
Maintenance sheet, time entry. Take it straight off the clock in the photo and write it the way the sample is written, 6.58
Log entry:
8.47
